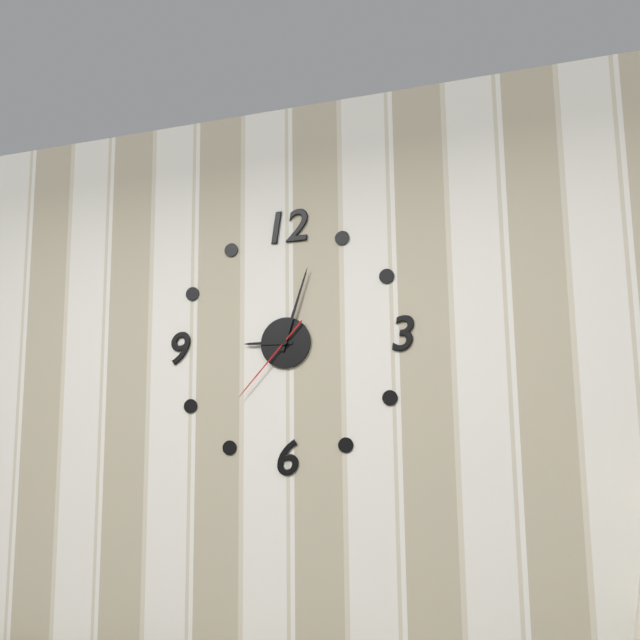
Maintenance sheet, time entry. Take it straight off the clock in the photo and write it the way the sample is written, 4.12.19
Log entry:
9.03.37
